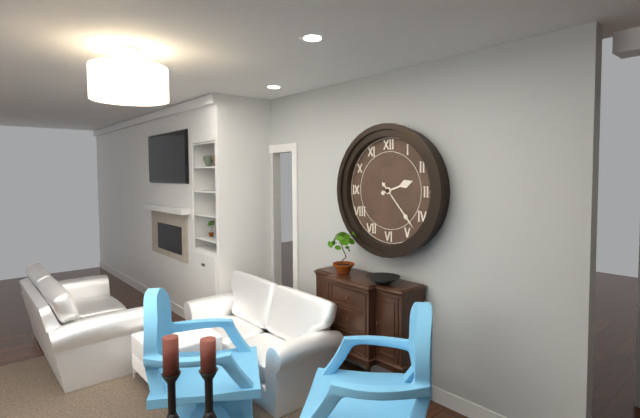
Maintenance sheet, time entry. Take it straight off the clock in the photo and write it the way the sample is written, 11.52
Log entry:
2.23
